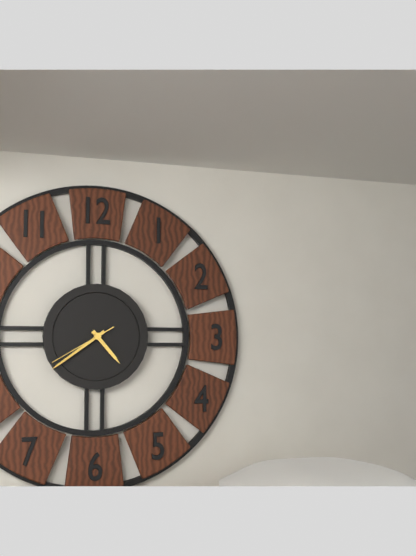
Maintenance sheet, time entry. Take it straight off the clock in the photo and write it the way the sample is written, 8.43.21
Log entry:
4.39.40
